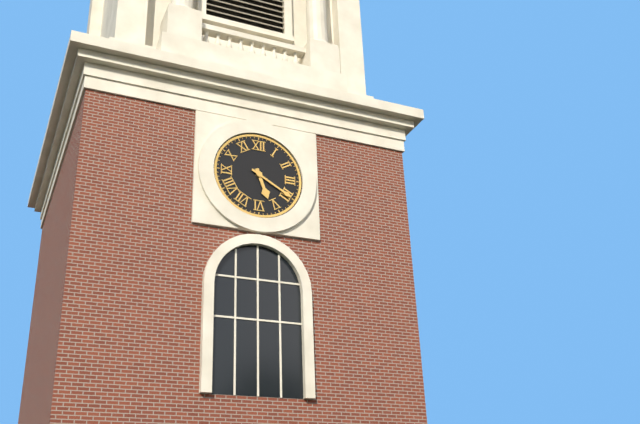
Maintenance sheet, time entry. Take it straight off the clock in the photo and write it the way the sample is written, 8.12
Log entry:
5.20
